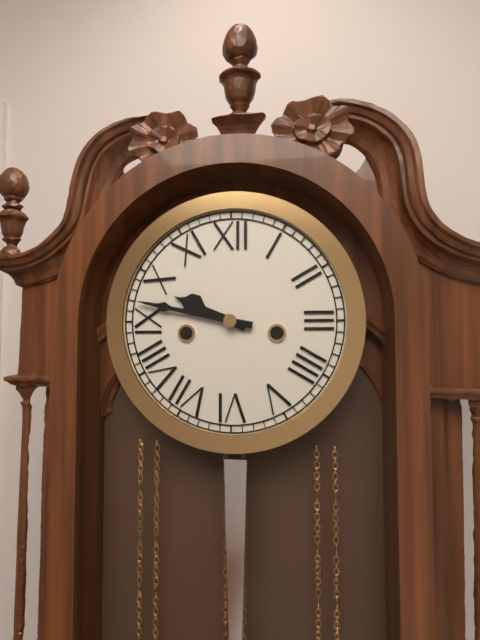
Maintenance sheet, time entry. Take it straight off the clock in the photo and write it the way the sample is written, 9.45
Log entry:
9.47
